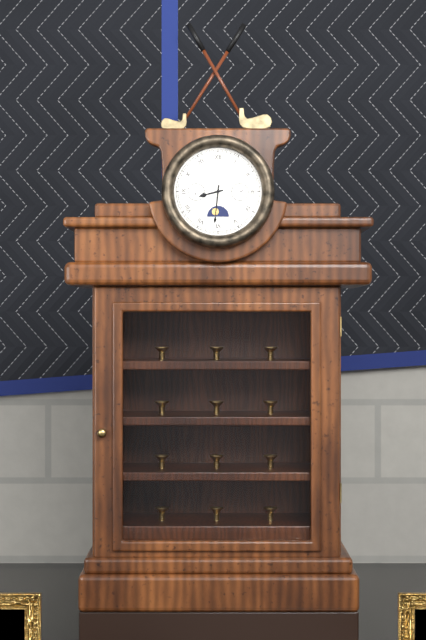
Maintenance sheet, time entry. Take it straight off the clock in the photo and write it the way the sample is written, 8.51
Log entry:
8.31
